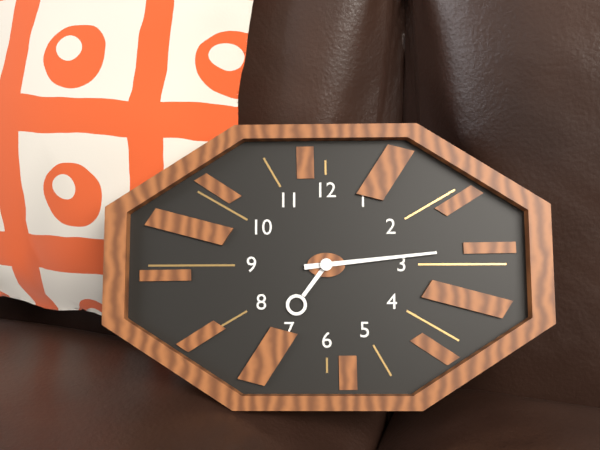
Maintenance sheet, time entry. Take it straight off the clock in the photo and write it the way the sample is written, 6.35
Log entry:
7.14
